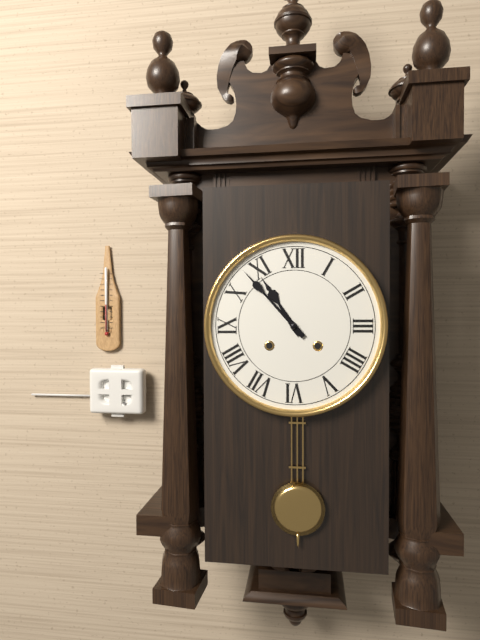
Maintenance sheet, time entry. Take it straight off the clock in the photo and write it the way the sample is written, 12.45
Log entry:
10.53
